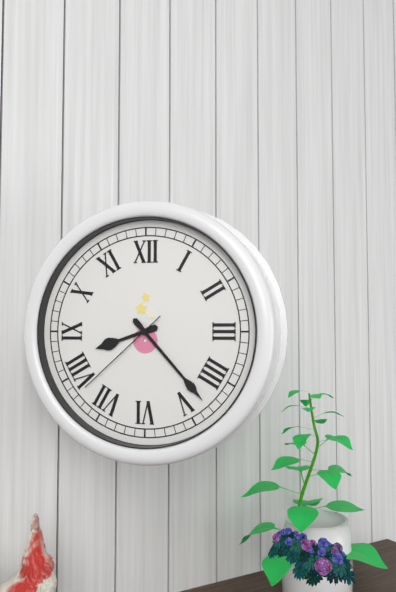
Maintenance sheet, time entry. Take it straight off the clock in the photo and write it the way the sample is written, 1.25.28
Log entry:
8.23.38
